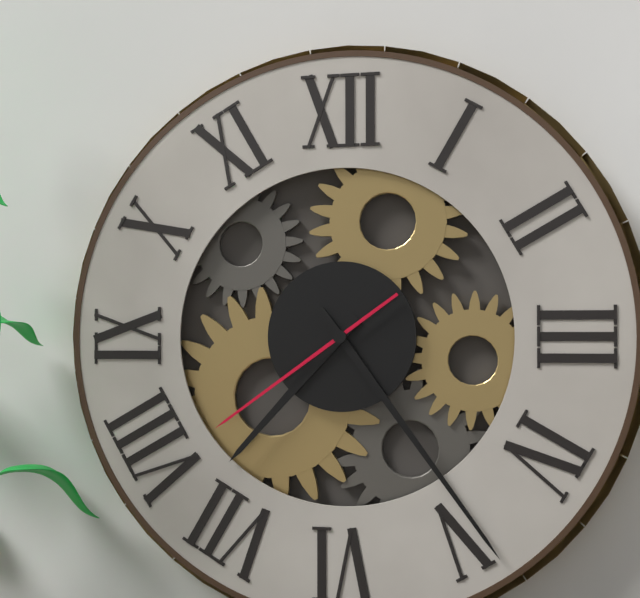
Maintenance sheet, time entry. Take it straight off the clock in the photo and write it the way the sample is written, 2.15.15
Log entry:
7.24.39
